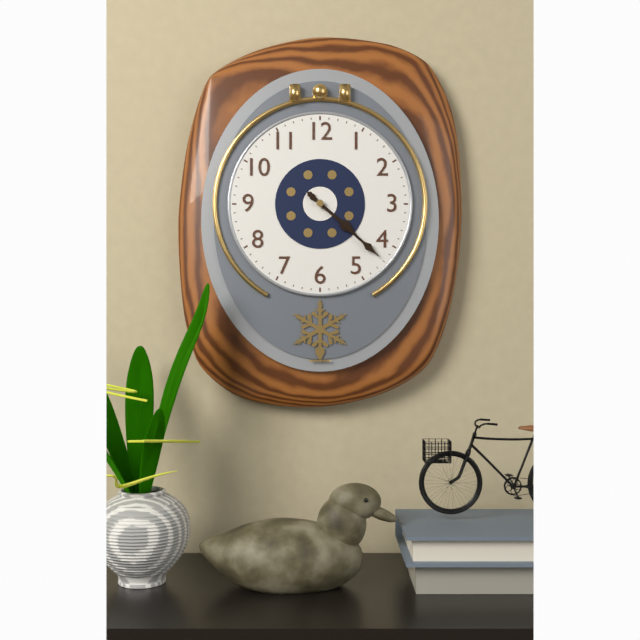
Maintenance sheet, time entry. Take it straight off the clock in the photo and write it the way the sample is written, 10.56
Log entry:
4.22
